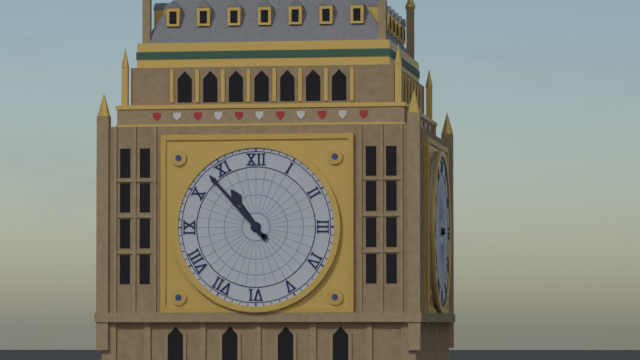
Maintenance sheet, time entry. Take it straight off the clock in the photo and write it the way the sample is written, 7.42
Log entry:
10.53
